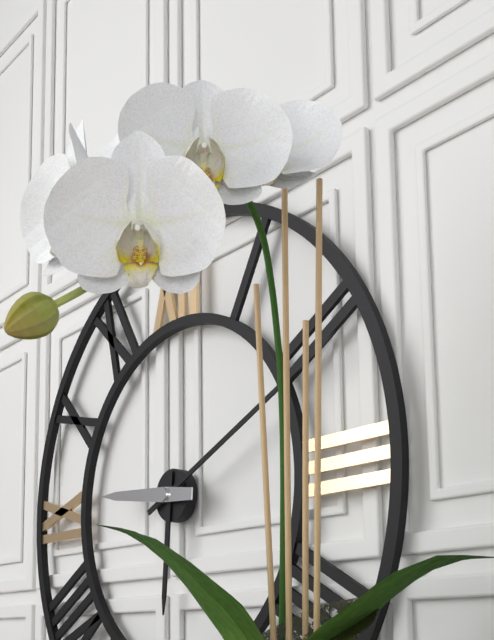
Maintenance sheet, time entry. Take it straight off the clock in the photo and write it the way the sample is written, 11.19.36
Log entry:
6.11.46
